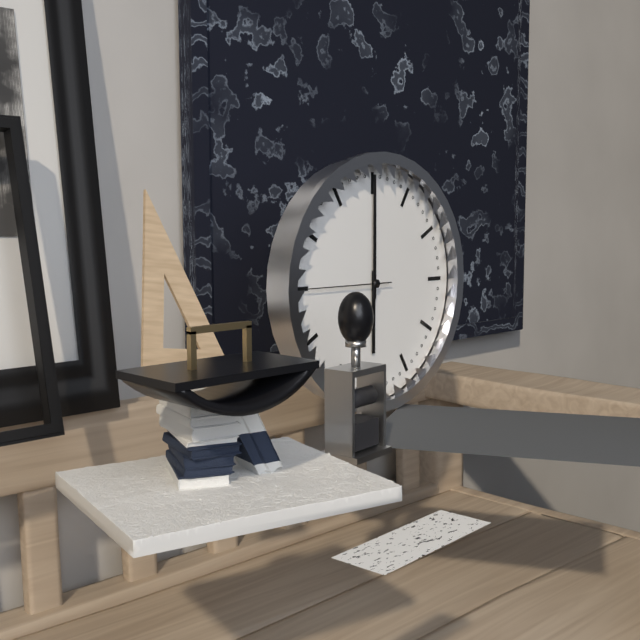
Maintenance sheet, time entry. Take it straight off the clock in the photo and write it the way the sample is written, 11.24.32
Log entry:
6.00.45
